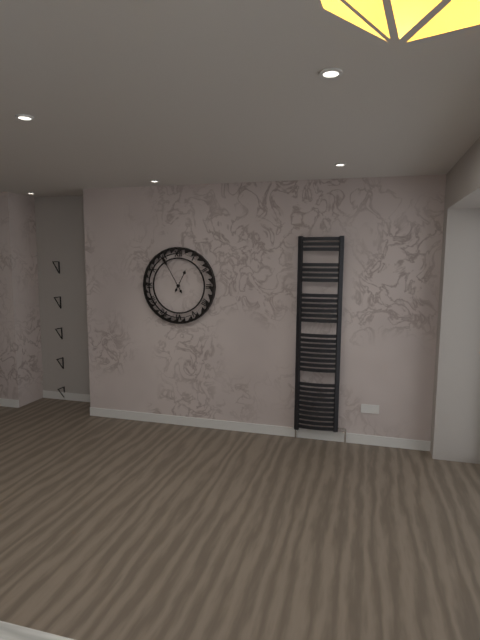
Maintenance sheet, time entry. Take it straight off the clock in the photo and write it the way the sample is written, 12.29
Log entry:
12.55
